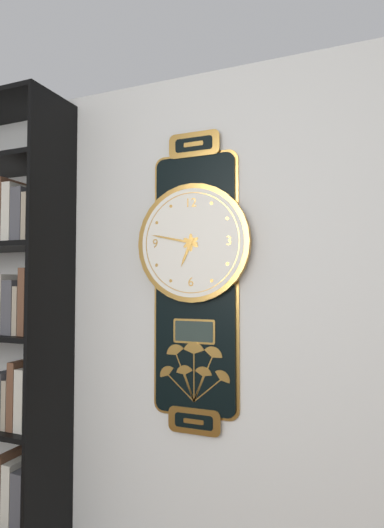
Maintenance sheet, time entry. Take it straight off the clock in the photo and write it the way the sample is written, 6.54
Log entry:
6.47
